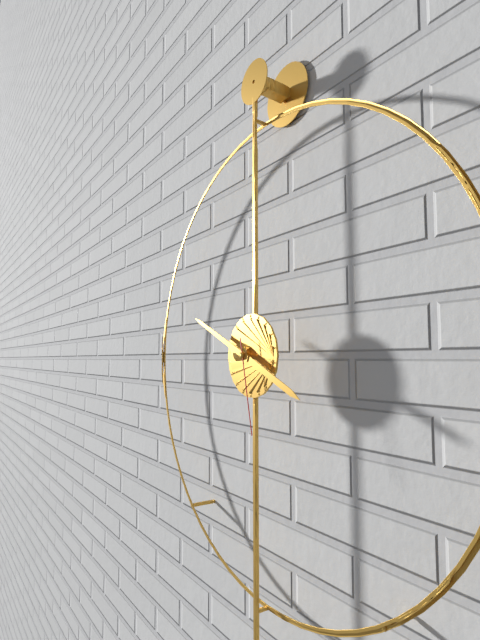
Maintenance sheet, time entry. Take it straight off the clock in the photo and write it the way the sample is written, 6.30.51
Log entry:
3.49.28
